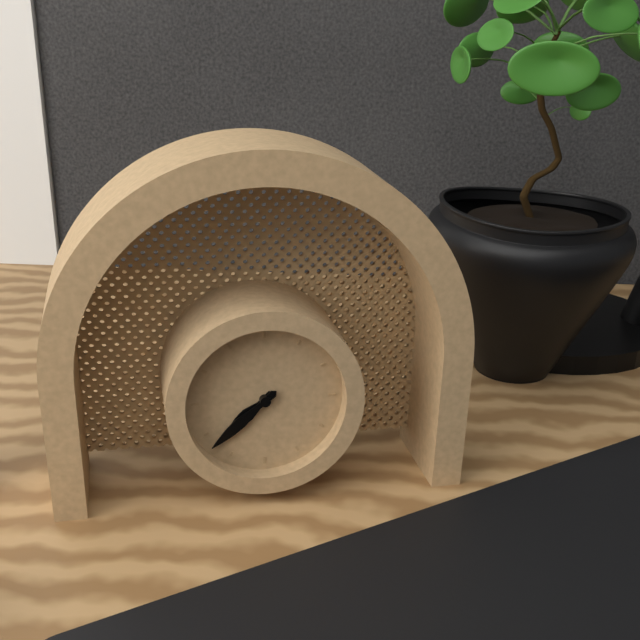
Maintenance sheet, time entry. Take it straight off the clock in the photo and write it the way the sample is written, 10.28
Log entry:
7.38
